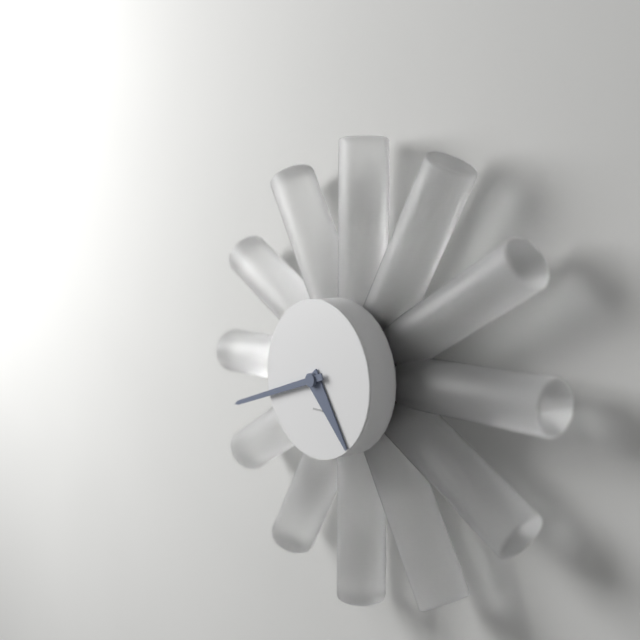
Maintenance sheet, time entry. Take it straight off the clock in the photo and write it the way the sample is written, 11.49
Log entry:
4.42
